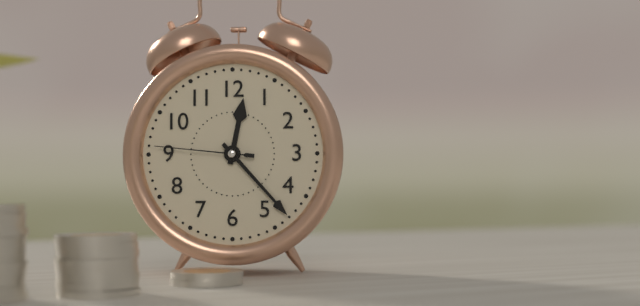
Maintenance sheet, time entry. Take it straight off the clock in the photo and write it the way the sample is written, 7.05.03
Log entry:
12.23.46
